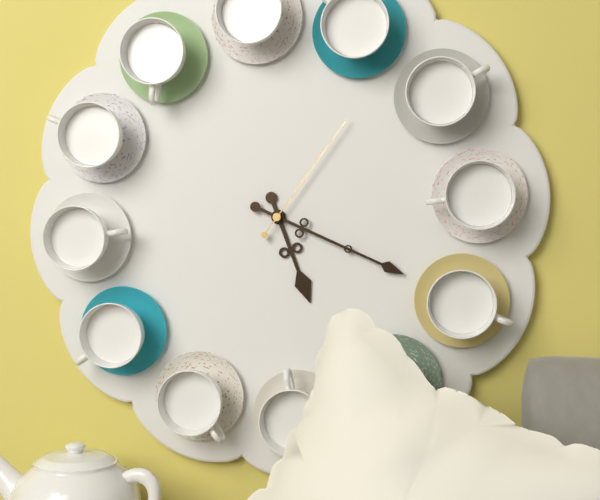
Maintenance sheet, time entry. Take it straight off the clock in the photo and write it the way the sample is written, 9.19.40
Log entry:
5.19.06
